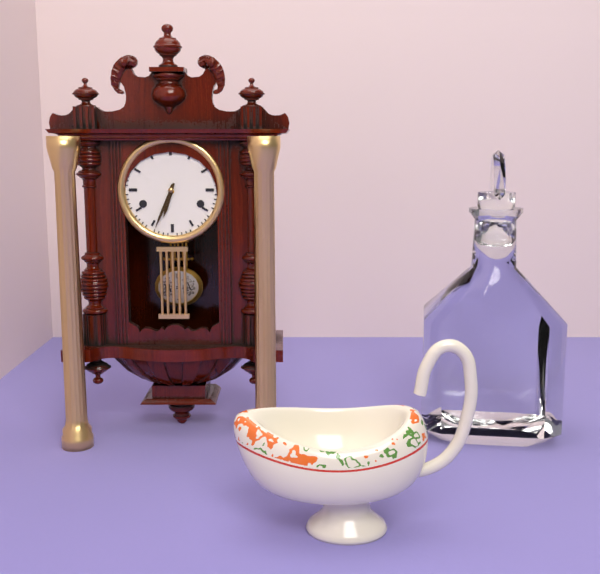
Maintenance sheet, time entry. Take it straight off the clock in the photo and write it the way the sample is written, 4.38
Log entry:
6.34
